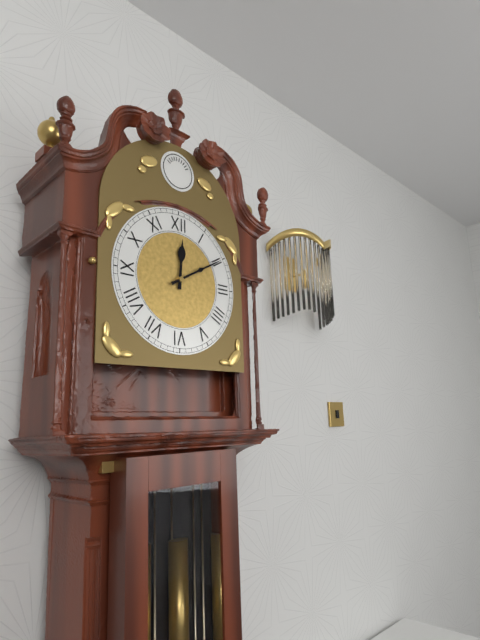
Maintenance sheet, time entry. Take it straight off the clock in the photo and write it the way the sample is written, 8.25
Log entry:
12.10
